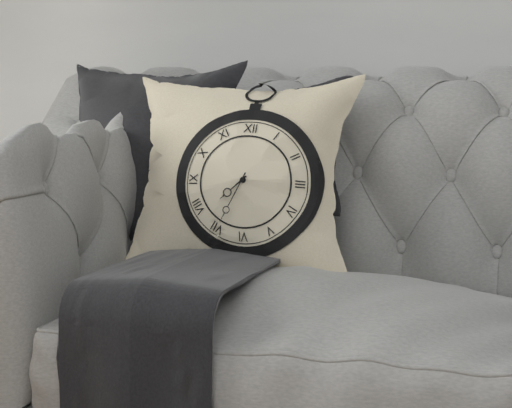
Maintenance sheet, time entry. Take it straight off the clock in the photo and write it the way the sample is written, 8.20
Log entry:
7.34
